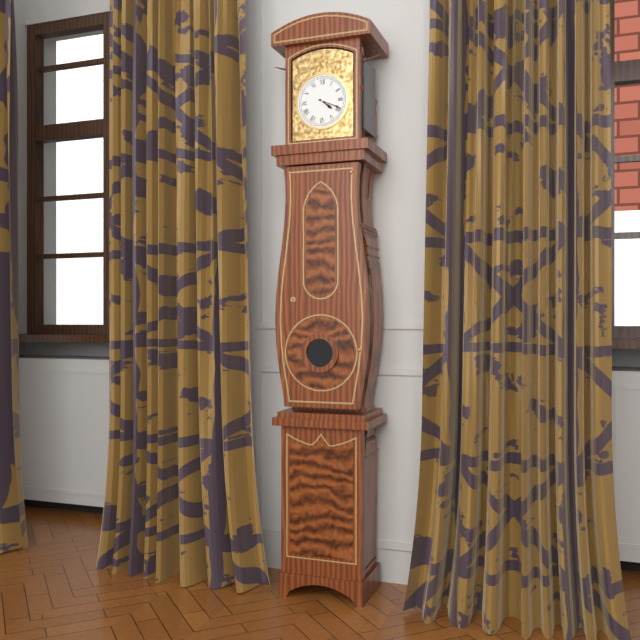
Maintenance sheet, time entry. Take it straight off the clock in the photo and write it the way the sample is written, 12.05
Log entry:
4.19
